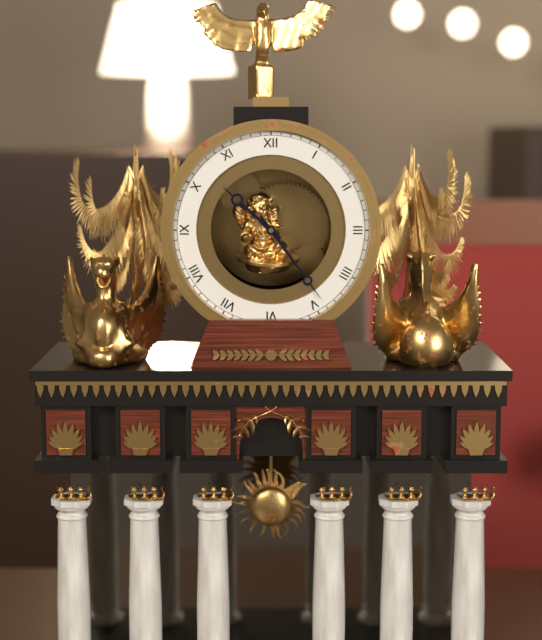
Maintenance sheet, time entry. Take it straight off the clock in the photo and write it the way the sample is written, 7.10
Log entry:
10.24
